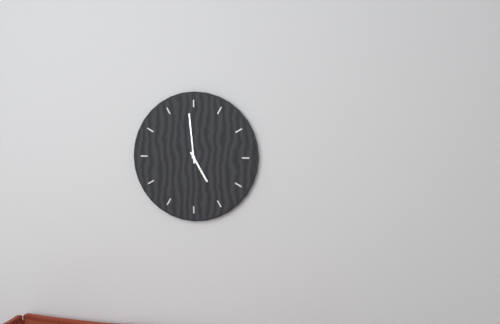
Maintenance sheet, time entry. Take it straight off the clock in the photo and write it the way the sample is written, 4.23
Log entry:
4.59
